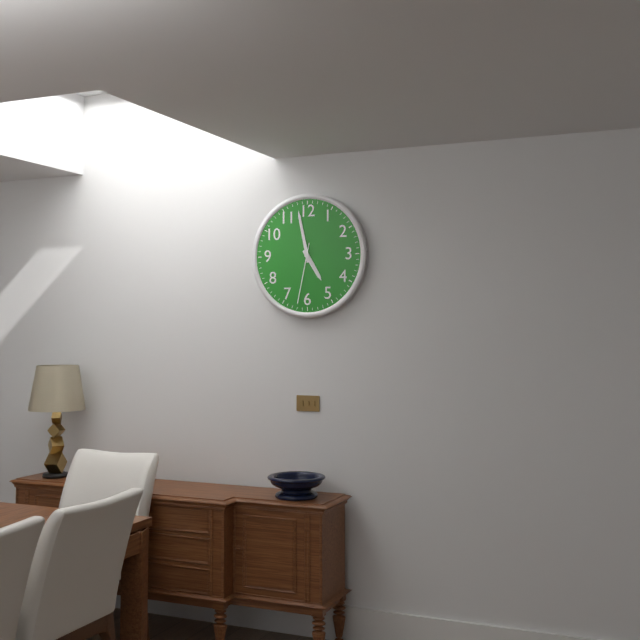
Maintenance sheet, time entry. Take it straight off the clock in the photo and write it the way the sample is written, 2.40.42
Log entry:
4.58.32
